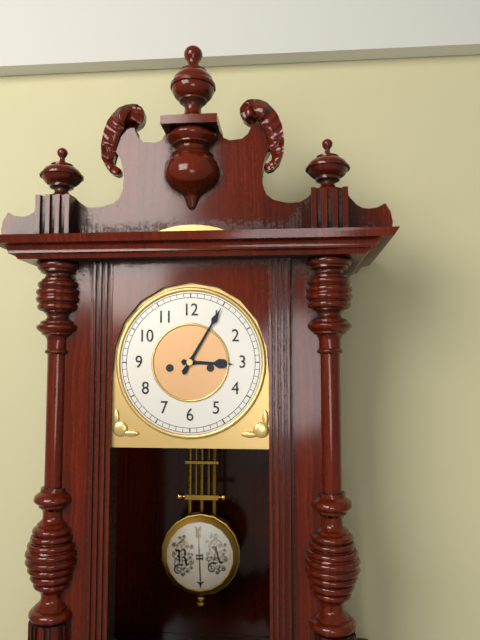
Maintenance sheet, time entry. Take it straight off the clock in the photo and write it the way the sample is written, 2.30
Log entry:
3.05
